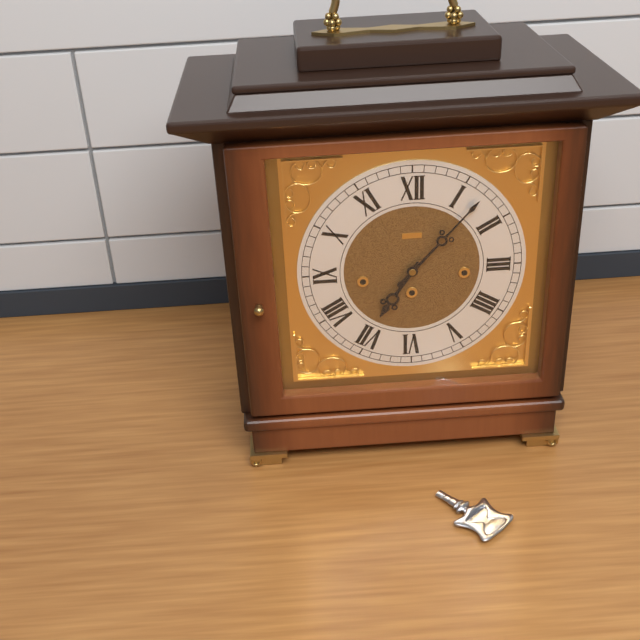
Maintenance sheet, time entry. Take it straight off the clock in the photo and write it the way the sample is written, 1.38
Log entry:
7.07
